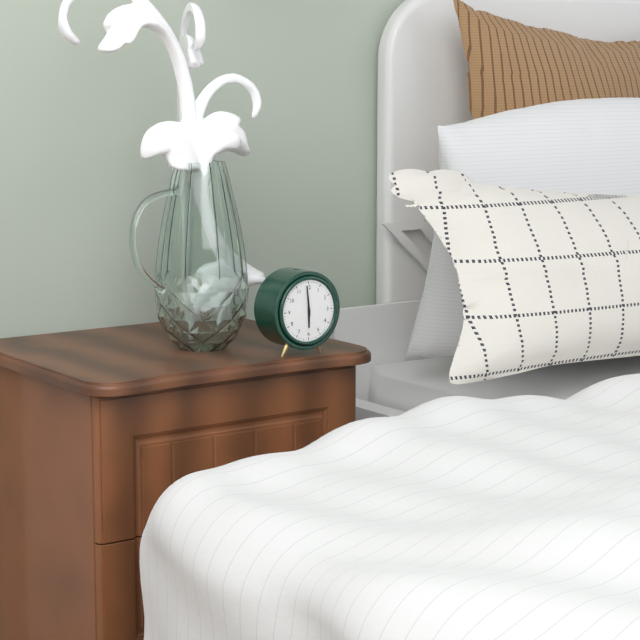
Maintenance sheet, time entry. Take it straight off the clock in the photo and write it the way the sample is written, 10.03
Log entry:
5.59
